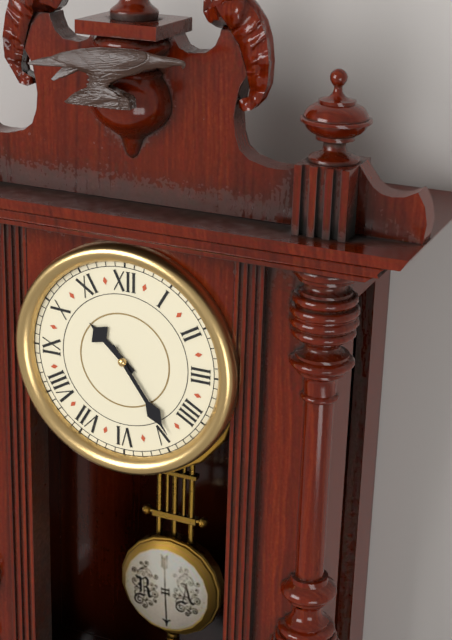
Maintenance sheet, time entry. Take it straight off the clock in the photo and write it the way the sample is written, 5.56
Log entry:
10.24
